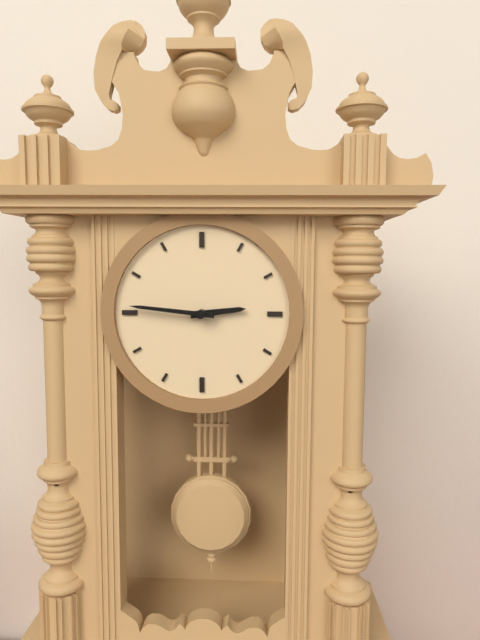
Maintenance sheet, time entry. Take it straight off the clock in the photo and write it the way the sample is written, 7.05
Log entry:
2.46
